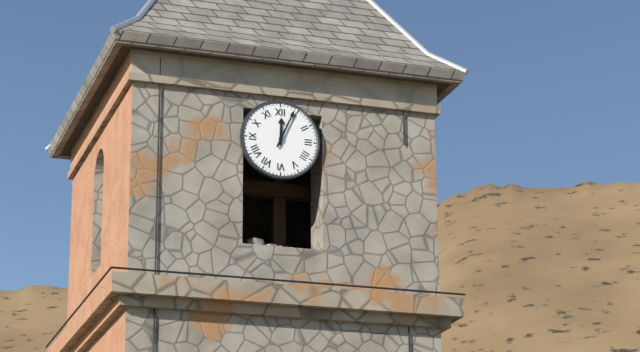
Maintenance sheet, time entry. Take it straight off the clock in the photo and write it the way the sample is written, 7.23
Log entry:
12.04
